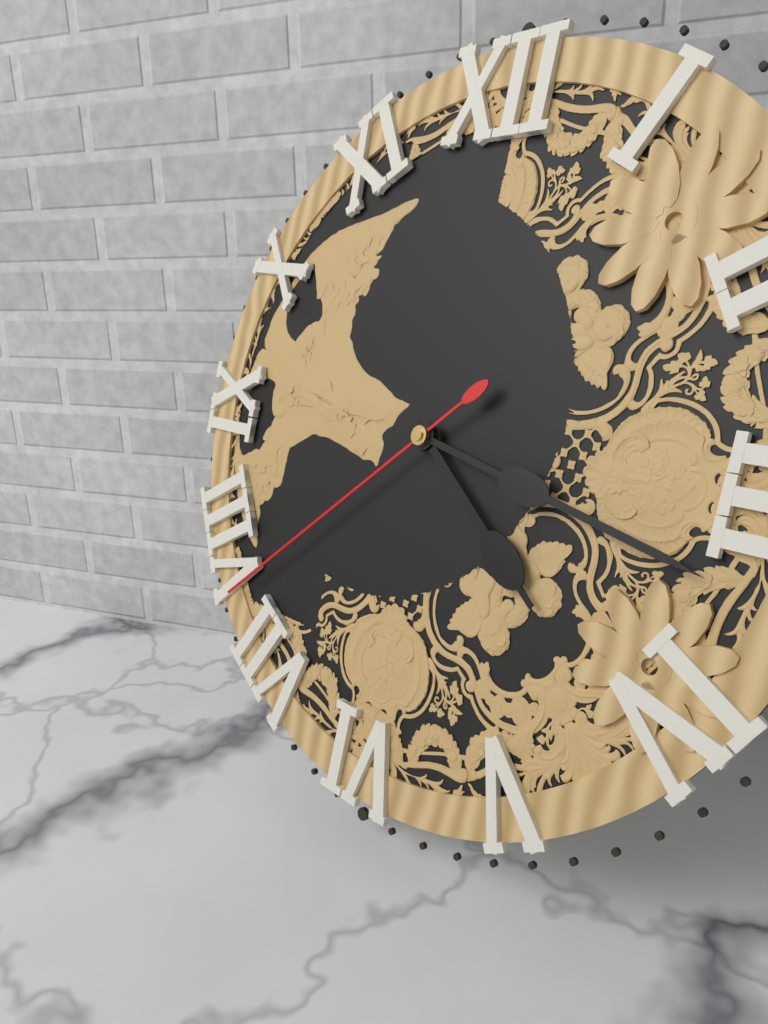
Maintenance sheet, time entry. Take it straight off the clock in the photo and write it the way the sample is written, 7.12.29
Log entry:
4.17.38
